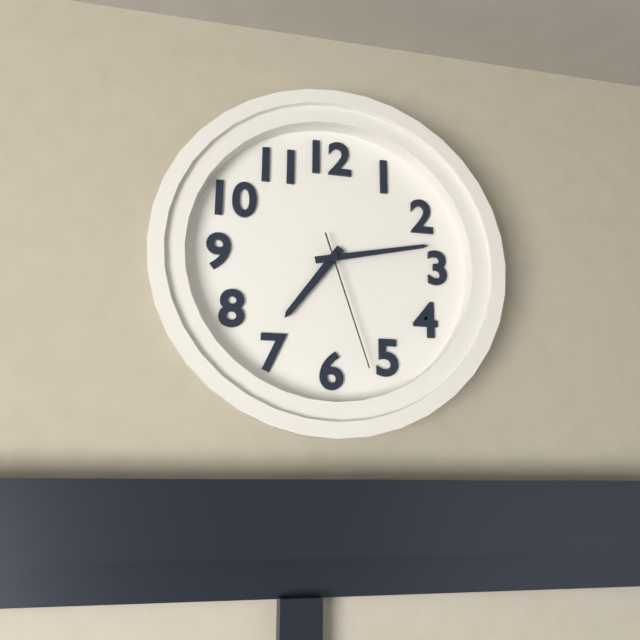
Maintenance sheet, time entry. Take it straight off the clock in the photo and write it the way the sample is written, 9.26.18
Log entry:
7.13.27
